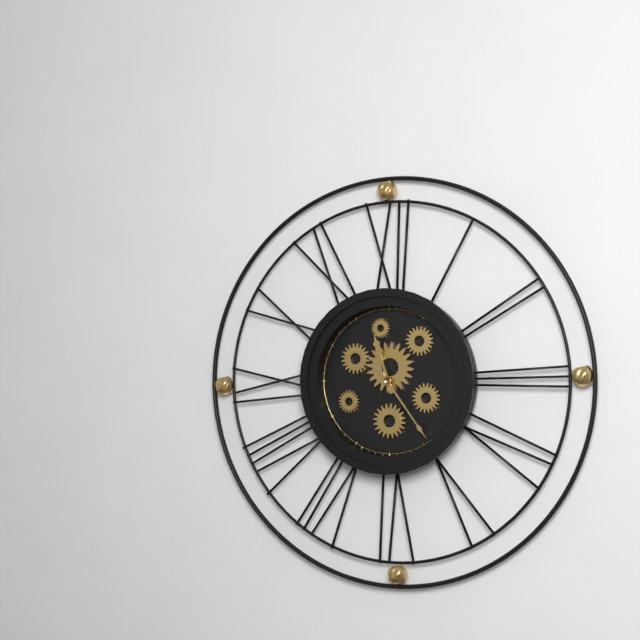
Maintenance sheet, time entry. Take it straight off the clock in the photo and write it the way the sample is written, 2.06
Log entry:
11.24
